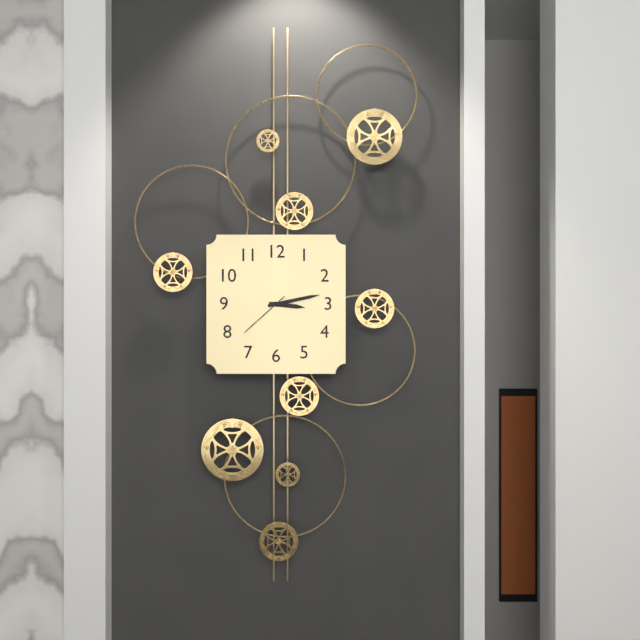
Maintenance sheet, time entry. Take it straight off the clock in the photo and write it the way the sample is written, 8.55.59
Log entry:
3.13.38
